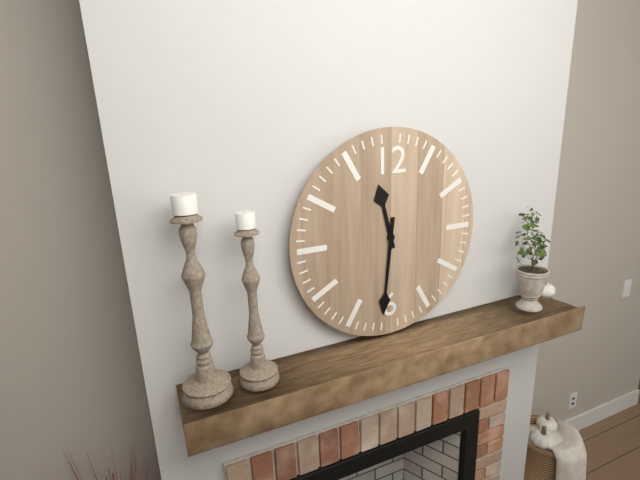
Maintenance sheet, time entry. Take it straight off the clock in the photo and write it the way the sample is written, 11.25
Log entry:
11.31
